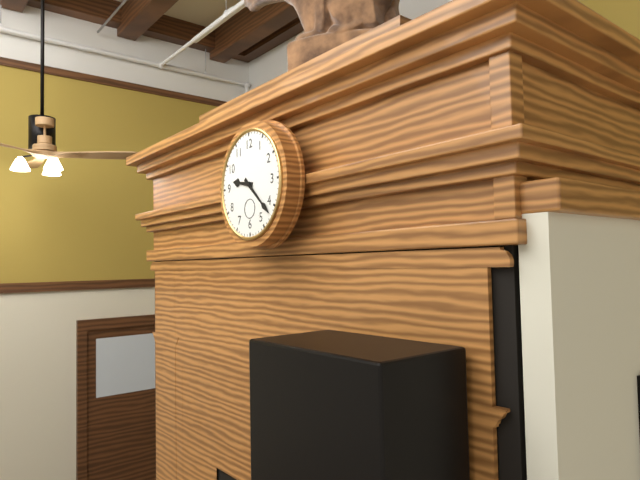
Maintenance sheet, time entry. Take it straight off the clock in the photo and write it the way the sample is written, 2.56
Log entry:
9.22
